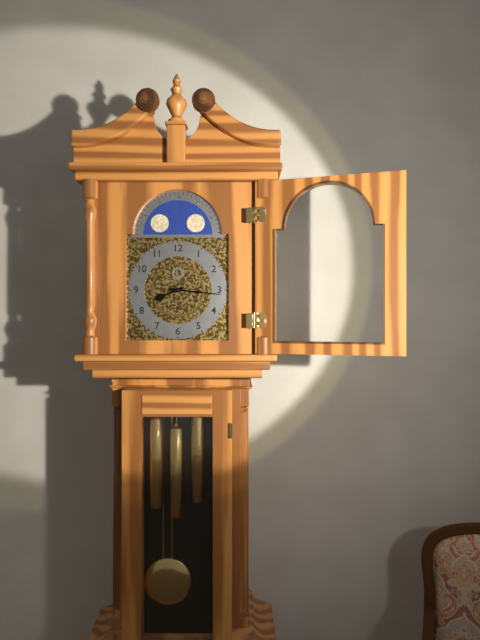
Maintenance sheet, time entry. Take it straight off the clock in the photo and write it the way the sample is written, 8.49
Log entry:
8.16
